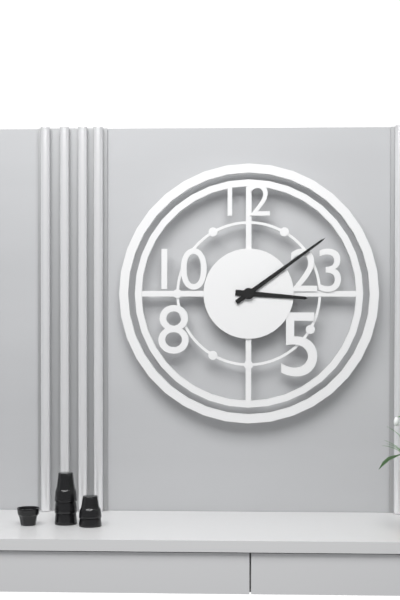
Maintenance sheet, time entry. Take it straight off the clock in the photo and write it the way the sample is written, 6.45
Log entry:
3.09
